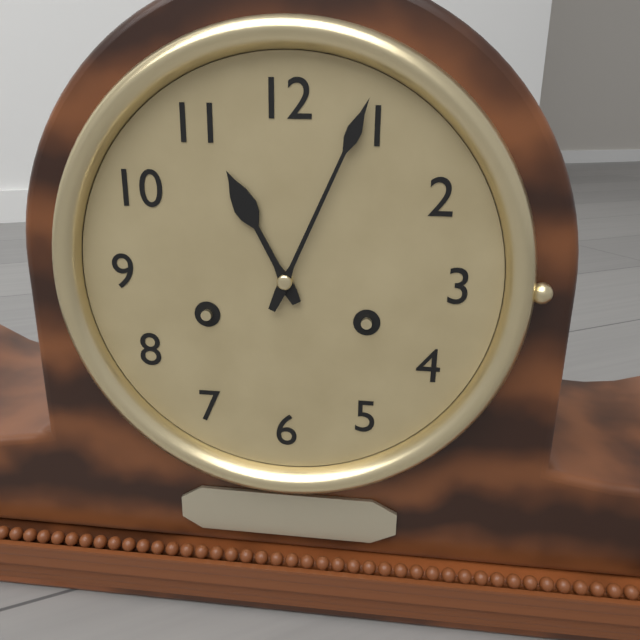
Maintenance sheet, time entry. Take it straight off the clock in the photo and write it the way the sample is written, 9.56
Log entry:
11.04
